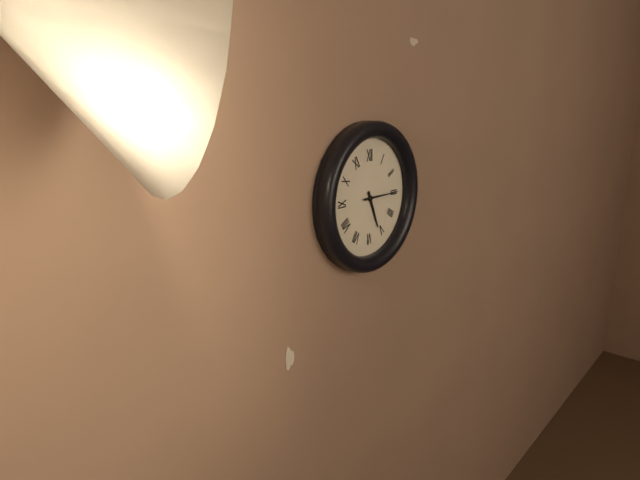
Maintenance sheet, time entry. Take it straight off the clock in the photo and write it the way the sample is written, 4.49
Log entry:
5.15
